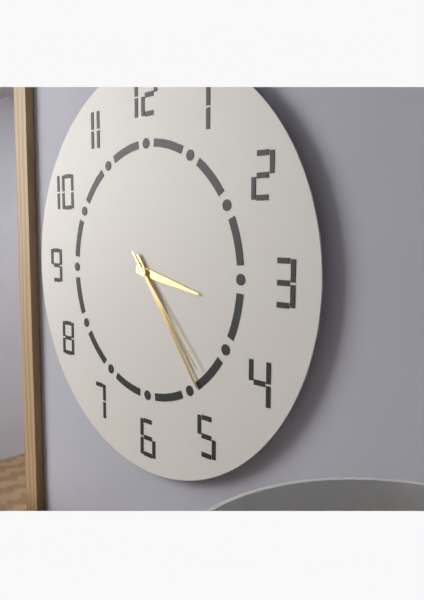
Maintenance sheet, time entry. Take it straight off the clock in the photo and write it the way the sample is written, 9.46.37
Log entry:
3.24.23
